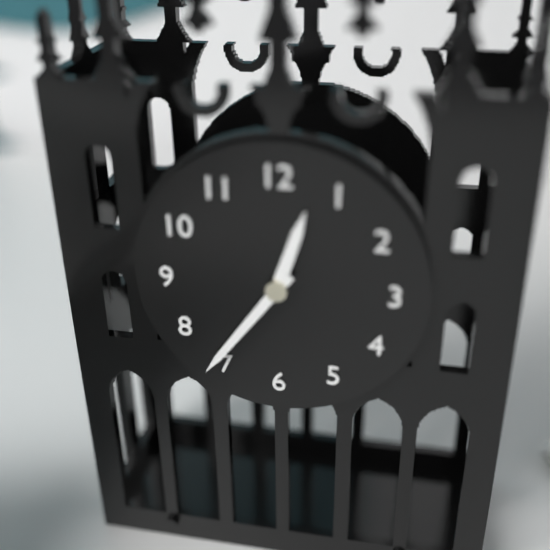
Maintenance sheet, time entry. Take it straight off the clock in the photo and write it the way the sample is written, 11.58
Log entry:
12.36
